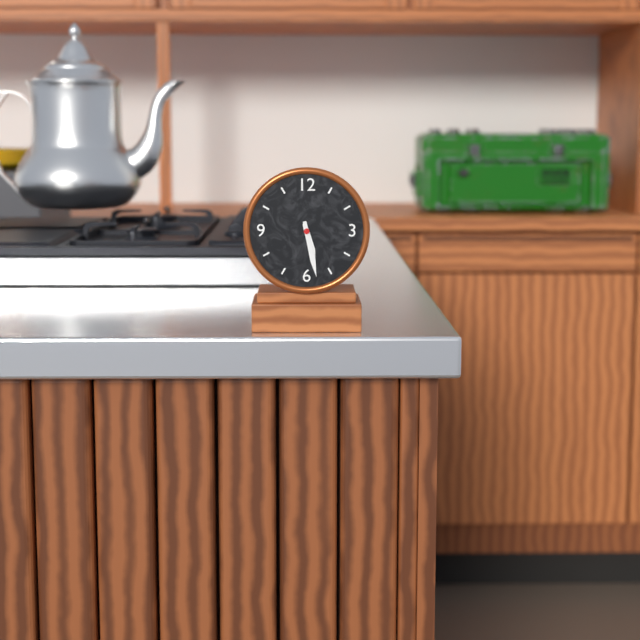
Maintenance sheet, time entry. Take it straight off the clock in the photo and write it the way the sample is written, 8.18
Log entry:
5.28
